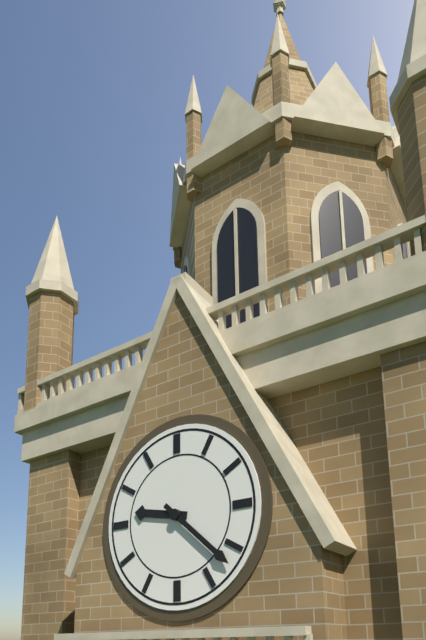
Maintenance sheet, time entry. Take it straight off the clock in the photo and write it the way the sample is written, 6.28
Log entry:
9.22
